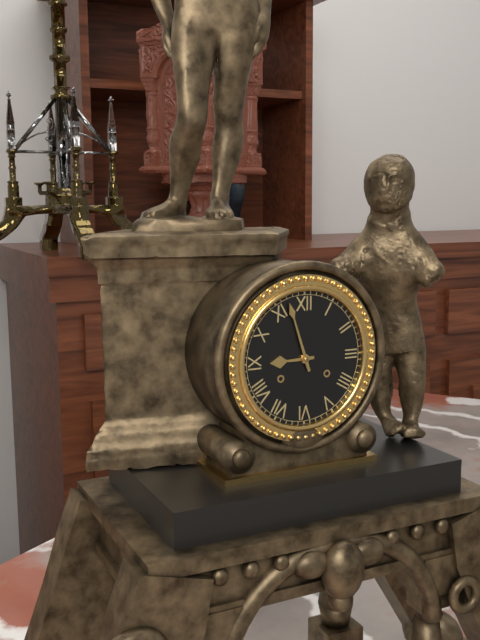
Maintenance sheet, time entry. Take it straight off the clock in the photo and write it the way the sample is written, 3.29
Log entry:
8.57
